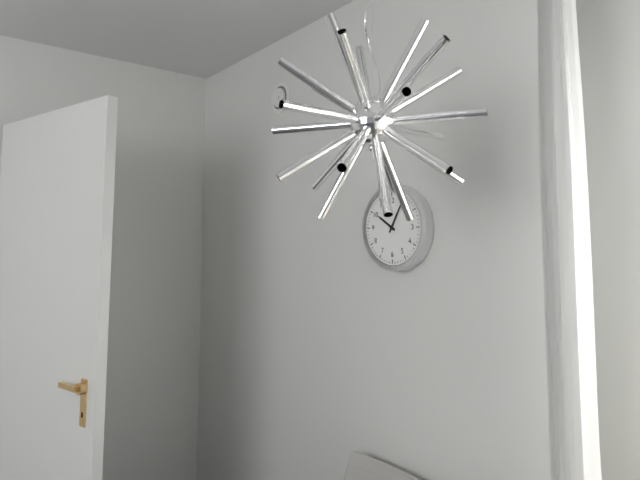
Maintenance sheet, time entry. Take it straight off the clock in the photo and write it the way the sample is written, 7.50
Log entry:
10.05
